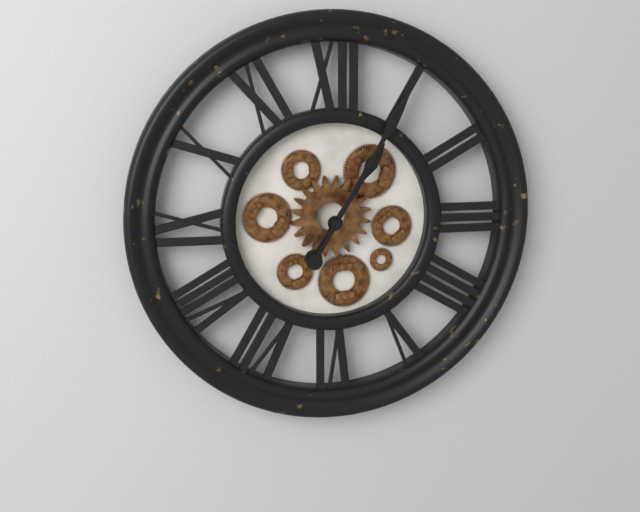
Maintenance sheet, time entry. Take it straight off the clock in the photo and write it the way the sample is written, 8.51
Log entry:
1.05
